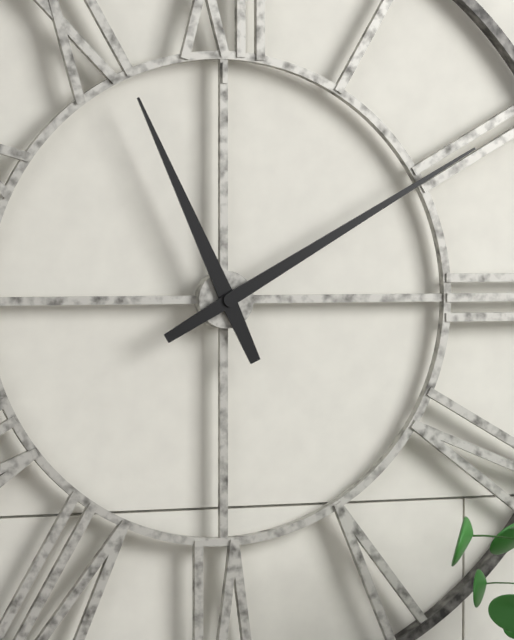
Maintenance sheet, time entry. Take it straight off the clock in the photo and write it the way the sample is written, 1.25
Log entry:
11.10
